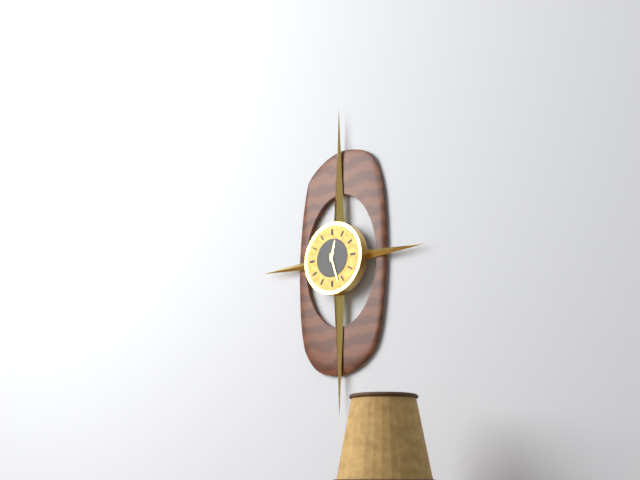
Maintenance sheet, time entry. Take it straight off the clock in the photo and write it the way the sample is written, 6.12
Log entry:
12.27
